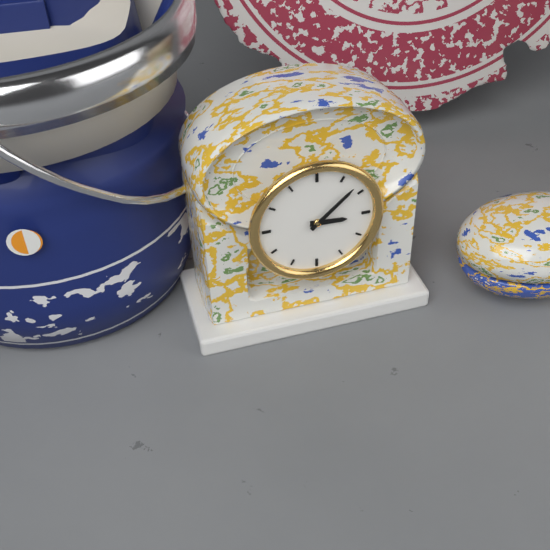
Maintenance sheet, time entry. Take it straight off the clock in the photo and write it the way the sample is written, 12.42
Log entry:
3.08
